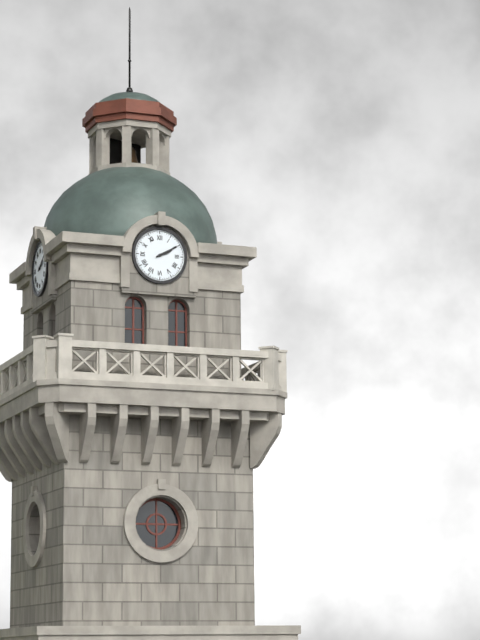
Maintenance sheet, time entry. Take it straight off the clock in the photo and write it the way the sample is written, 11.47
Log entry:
2.10
